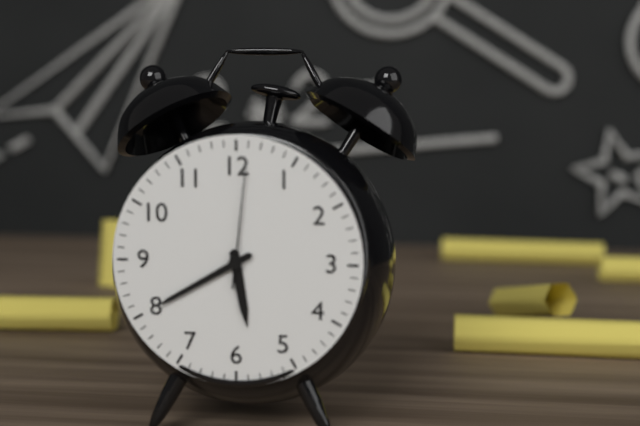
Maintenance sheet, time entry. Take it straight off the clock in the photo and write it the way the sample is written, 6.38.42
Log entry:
5.40.01
